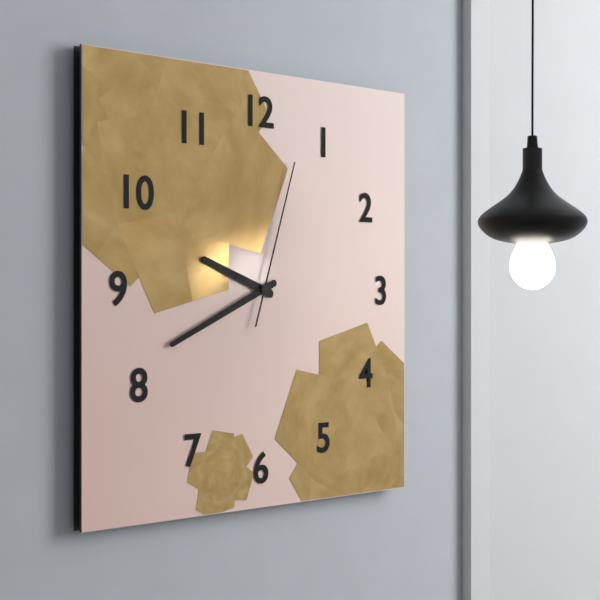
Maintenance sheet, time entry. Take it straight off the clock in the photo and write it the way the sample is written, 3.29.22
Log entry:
9.41.03
